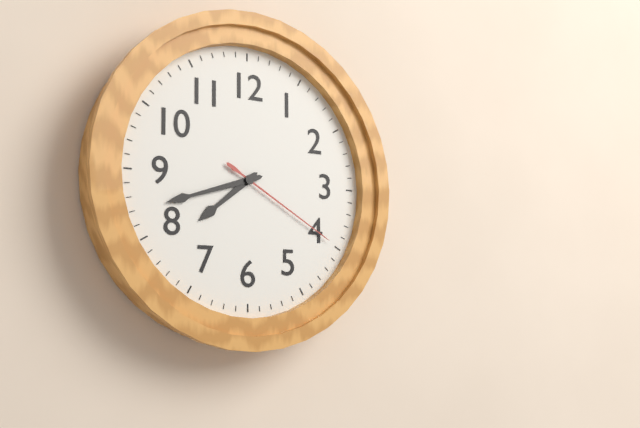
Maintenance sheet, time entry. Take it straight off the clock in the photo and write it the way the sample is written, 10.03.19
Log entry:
7.42.20
